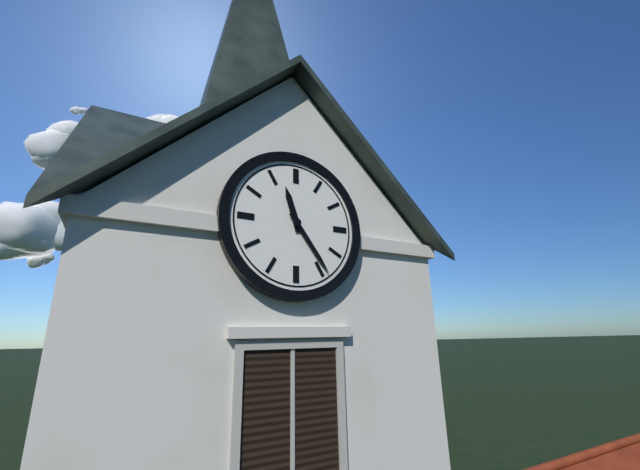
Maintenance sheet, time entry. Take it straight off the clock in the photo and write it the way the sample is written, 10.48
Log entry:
11.24
